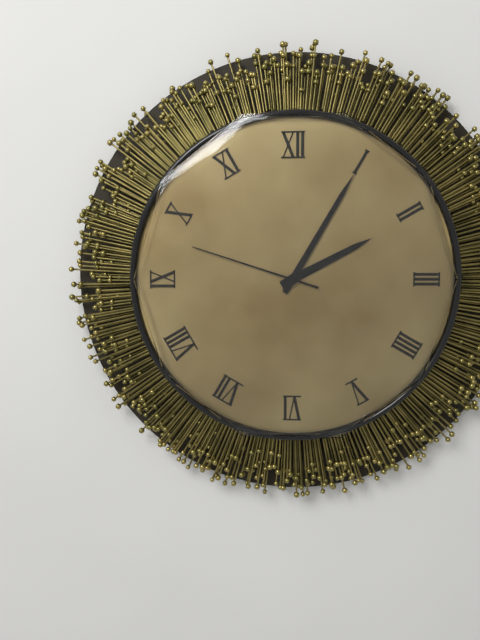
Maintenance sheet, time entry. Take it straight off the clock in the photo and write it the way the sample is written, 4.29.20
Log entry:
2.05.48
